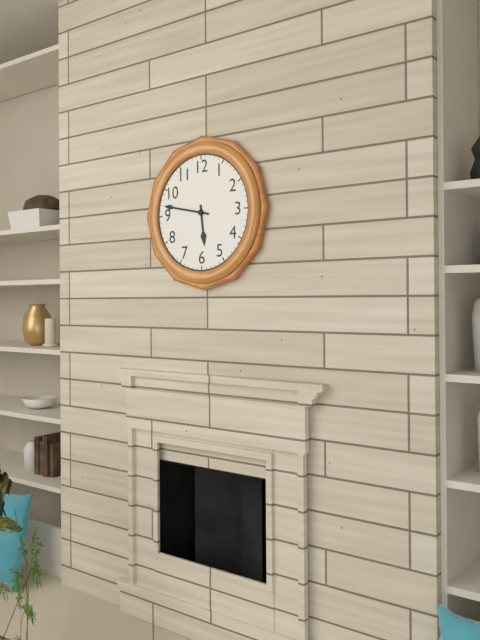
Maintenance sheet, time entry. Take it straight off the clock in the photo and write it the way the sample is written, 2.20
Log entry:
5.47
